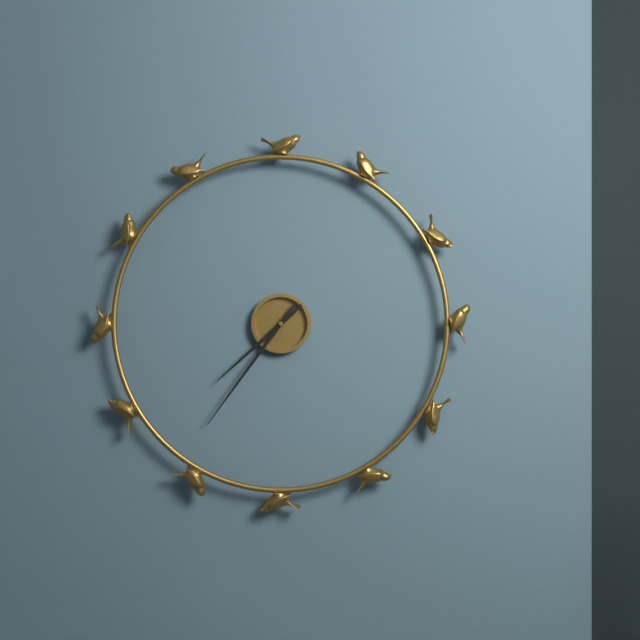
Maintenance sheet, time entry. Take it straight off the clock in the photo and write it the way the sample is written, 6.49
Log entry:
7.36
